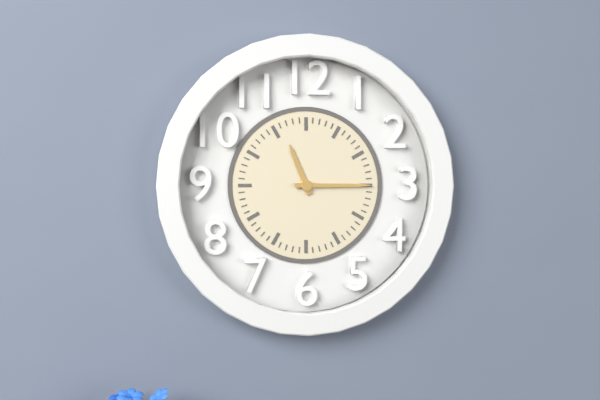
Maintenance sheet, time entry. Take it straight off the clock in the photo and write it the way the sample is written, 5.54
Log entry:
11.15
